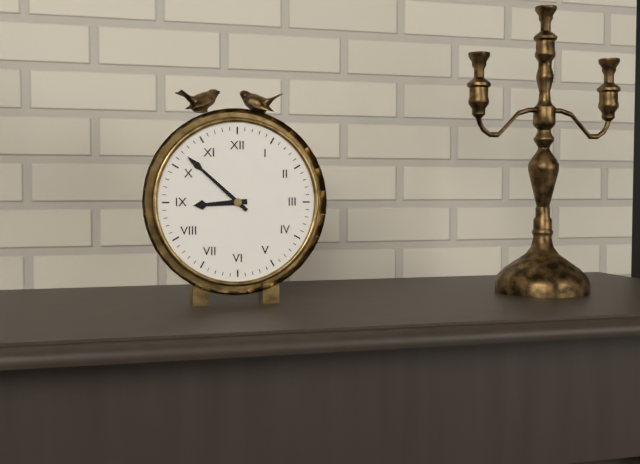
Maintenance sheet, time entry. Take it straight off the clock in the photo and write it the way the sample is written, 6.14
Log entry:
8.52
